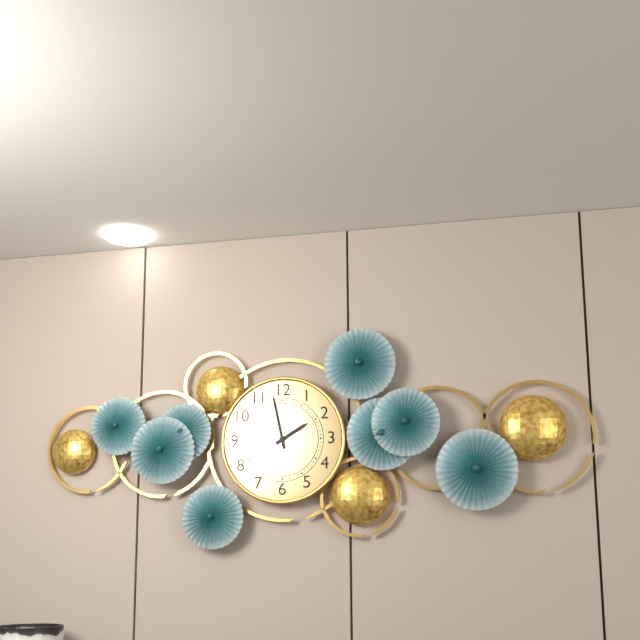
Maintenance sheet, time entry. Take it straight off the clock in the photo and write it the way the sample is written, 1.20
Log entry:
1.58
